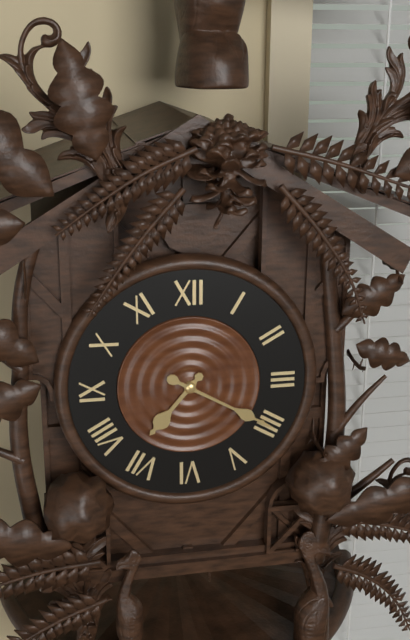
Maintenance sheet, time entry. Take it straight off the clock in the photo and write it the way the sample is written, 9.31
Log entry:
7.20
